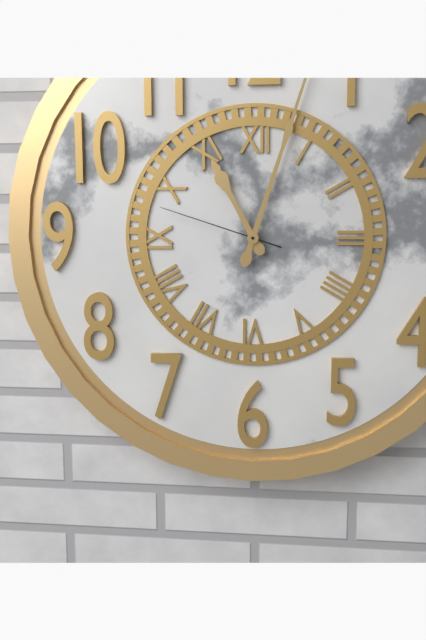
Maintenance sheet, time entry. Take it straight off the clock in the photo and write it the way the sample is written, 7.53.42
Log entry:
11.03.48
